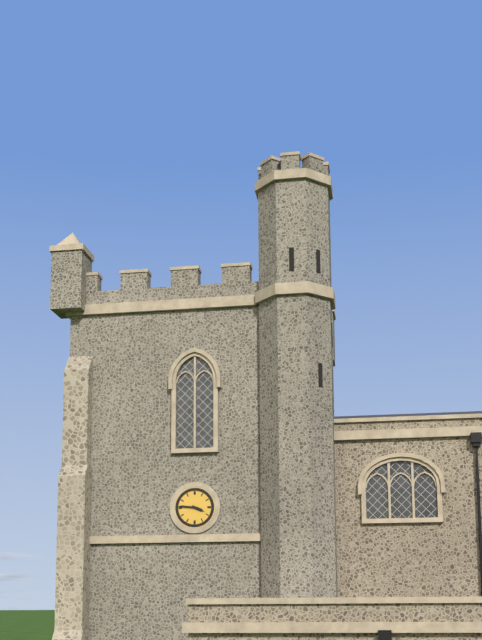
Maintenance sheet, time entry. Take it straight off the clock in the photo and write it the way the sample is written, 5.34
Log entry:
3.46
